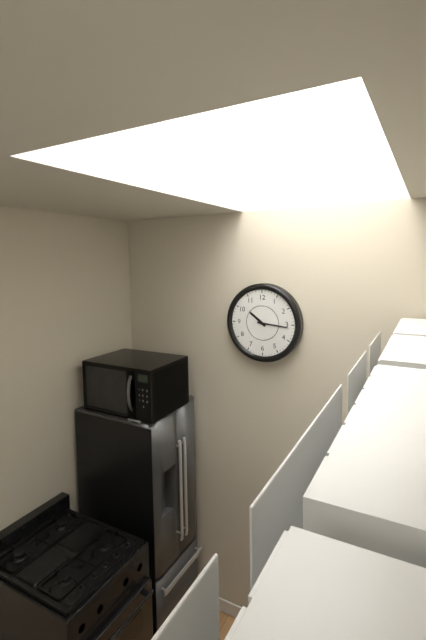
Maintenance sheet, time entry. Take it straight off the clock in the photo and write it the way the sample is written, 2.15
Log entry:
10.16
